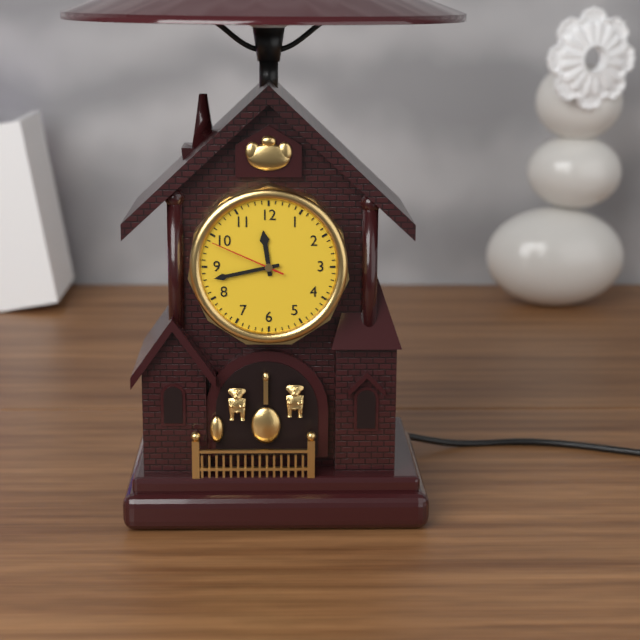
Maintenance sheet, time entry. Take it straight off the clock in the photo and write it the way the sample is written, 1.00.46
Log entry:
11.43.49
